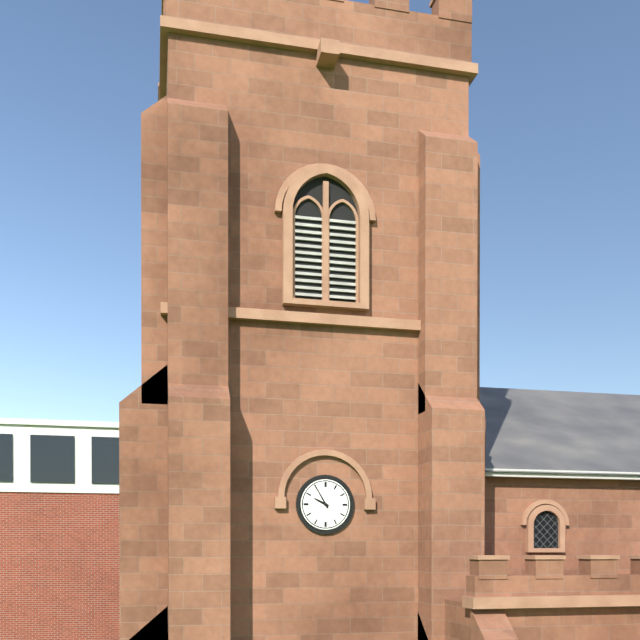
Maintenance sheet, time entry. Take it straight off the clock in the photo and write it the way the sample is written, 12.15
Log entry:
9.55
